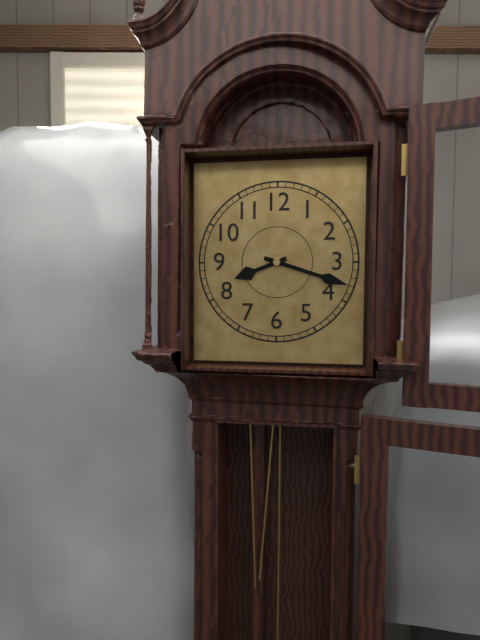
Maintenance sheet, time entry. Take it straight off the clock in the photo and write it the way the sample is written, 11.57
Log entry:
8.18
